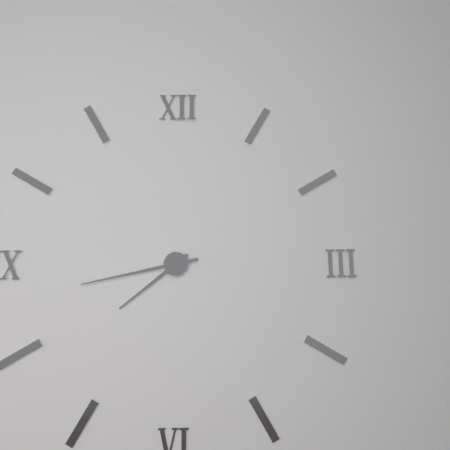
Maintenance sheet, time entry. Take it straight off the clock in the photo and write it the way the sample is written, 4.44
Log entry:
7.43
